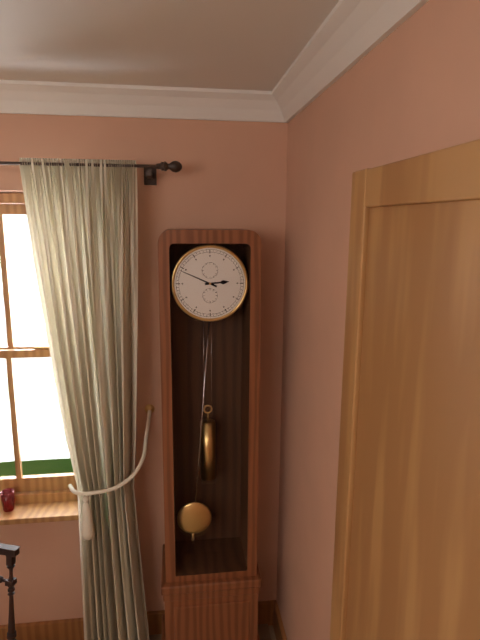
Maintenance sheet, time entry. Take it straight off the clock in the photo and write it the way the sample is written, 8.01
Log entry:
2.49
